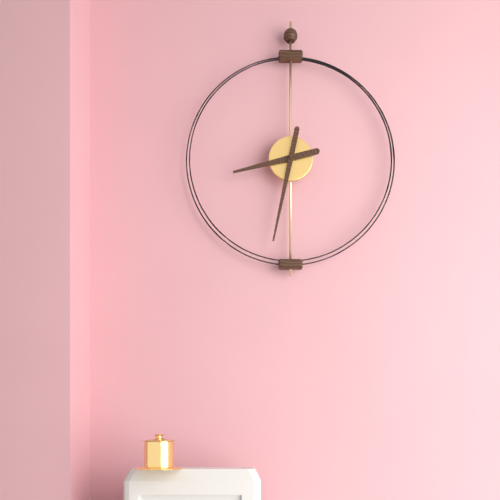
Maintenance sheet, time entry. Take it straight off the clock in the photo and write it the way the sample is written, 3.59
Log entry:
8.32
